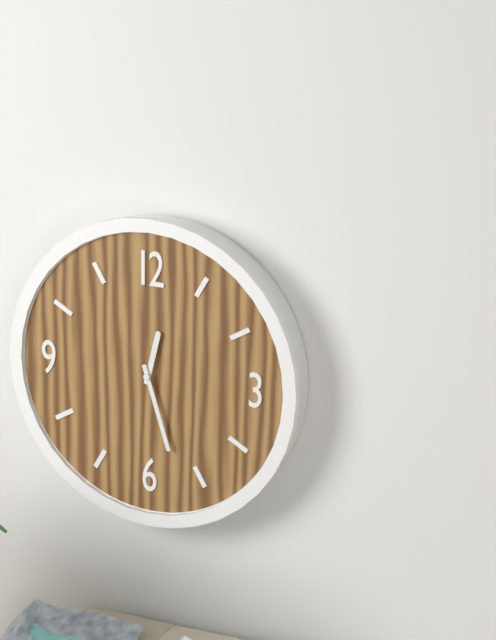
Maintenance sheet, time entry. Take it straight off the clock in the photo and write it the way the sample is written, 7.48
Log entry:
12.27
